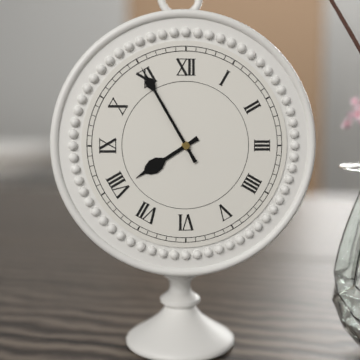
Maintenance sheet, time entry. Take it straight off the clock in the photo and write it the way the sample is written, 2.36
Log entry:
7.55
